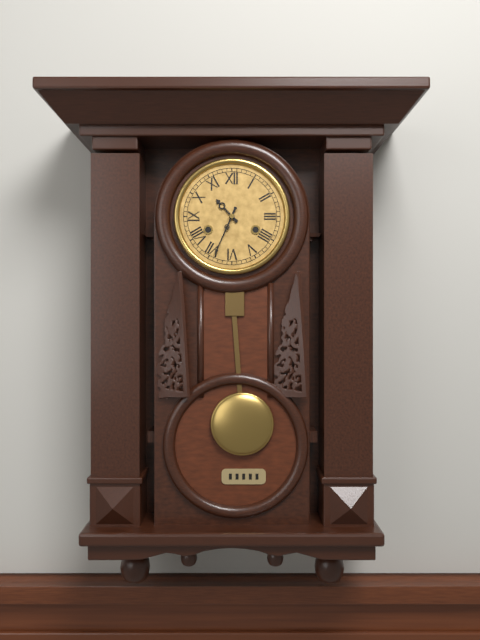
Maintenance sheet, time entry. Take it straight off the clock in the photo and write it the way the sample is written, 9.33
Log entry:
10.34
